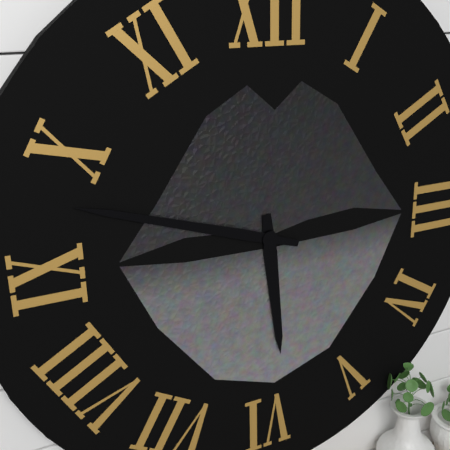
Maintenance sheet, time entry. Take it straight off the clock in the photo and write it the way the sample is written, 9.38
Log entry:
5.48
